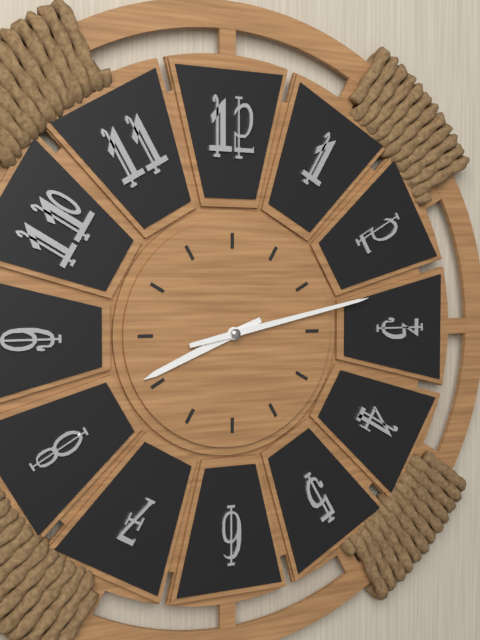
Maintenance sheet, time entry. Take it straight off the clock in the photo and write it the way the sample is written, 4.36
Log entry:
8.13
